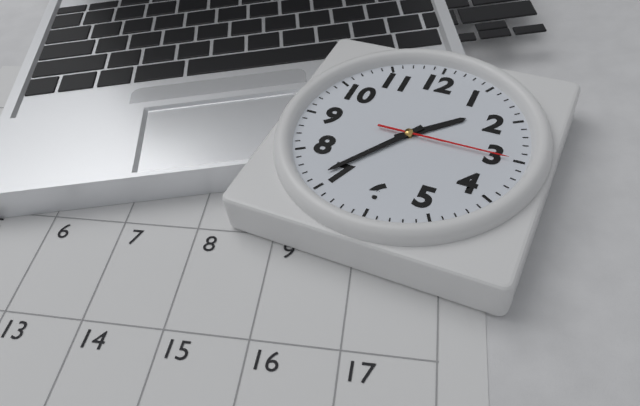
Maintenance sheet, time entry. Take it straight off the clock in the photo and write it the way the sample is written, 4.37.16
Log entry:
1.36.15
